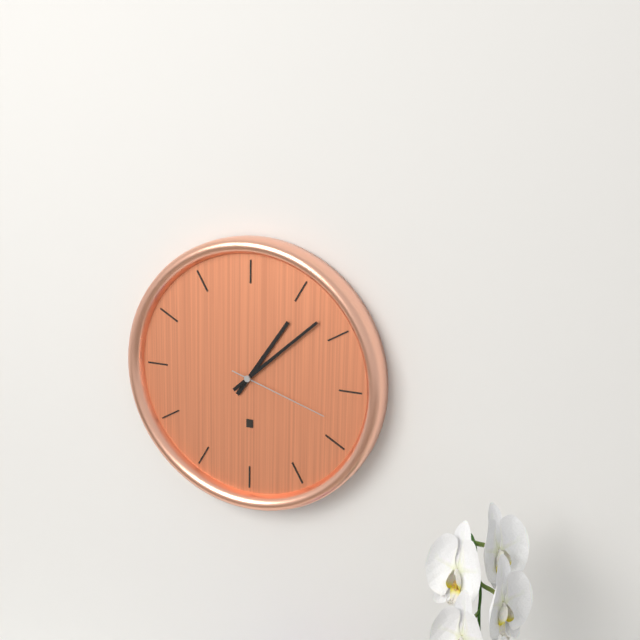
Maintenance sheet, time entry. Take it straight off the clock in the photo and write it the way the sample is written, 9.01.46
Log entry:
1.08.18
